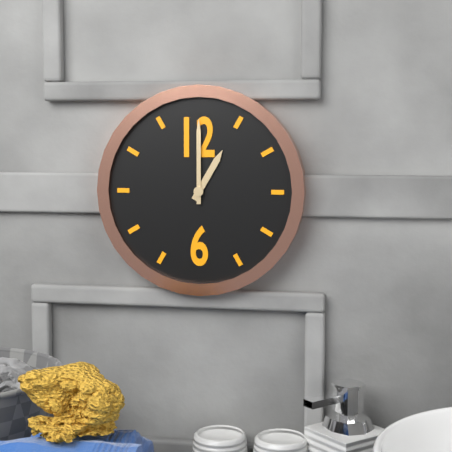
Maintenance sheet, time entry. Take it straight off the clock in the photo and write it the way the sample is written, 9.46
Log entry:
1.00
